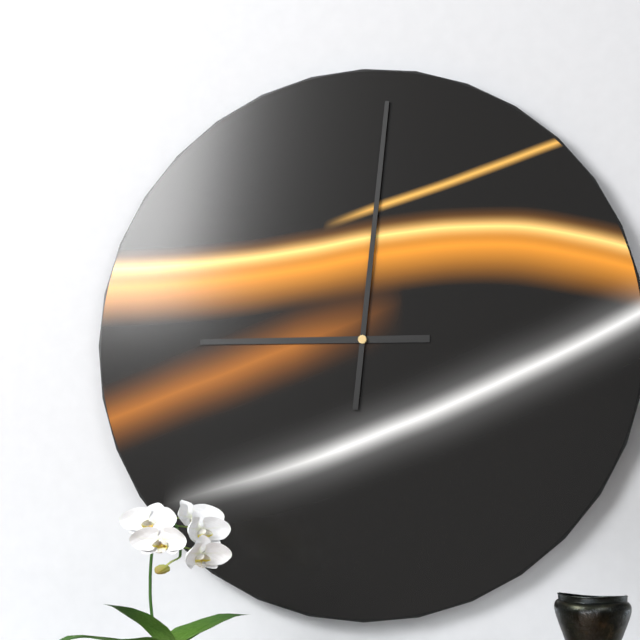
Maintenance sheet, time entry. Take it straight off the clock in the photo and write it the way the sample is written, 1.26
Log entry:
9.01
